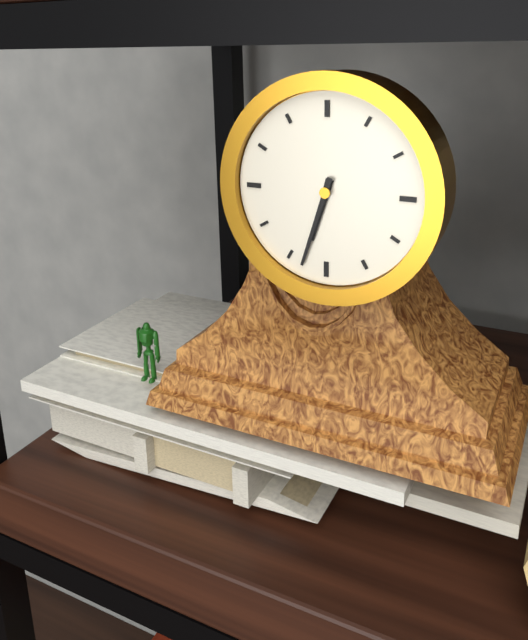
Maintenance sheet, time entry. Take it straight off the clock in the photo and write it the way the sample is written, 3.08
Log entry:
6.33
